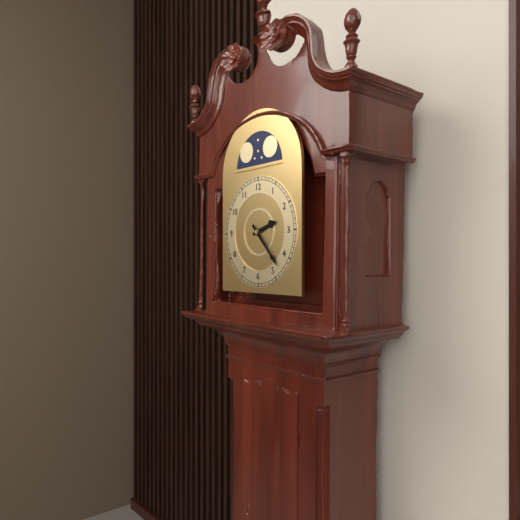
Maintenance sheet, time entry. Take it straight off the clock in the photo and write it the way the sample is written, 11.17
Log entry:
2.23
